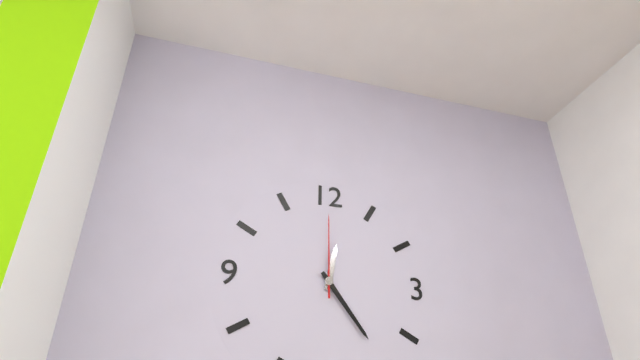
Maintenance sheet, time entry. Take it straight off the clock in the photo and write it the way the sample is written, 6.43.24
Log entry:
12.24.00
